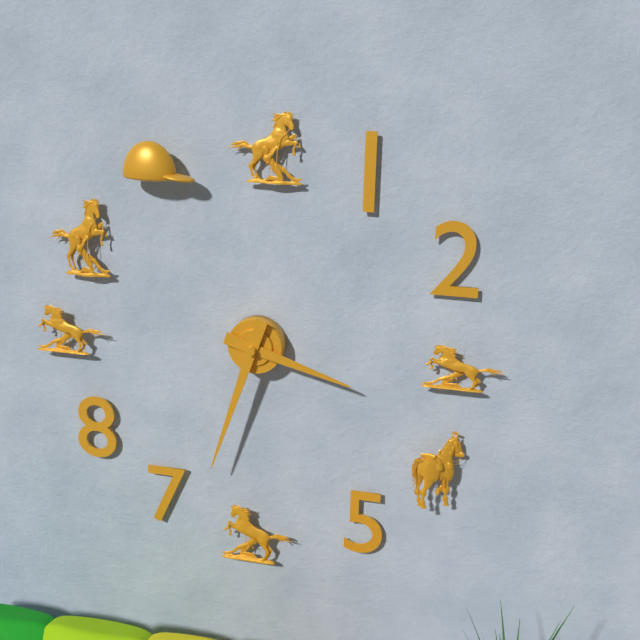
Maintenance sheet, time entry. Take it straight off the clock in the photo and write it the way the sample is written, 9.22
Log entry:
3.33
